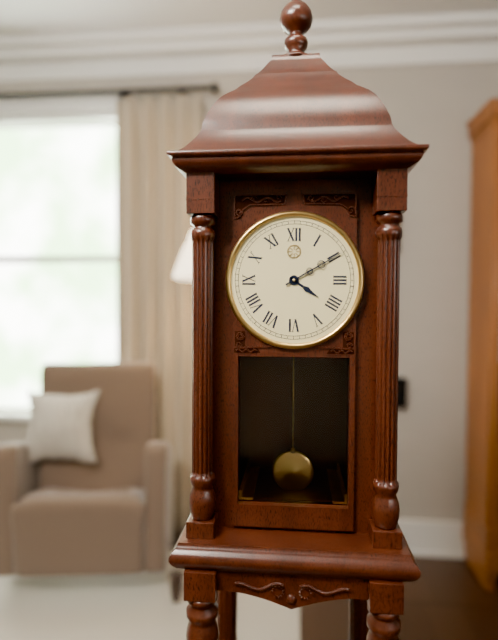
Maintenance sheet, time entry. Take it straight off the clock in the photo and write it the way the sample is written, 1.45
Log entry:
4.10
